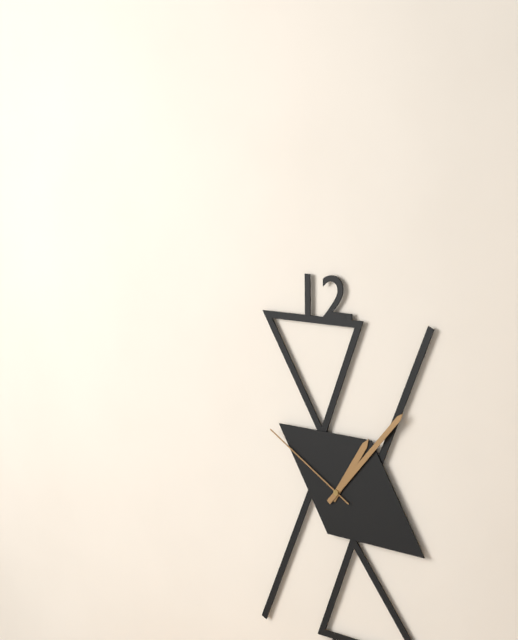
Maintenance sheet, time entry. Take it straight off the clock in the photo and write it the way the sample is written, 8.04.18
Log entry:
1.07.50
